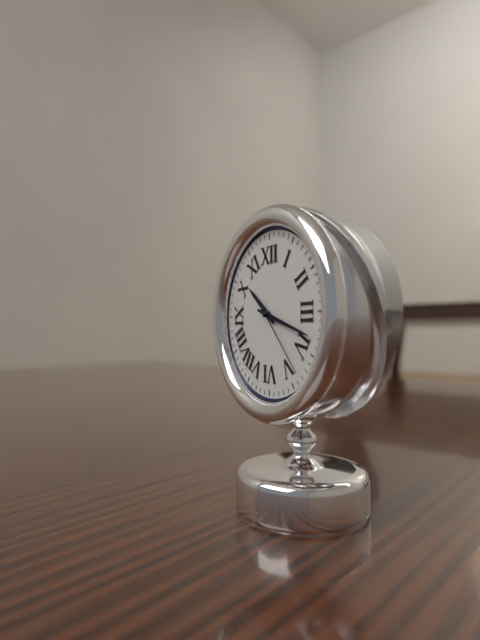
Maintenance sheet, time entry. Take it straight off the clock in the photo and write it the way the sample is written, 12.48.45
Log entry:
10.18.23
